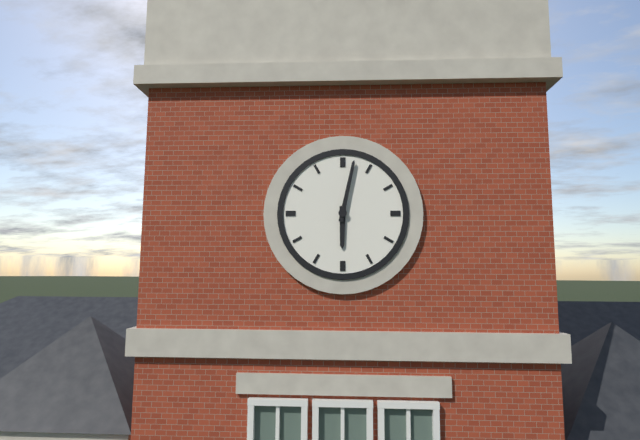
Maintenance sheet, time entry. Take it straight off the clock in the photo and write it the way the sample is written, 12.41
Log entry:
6.02
